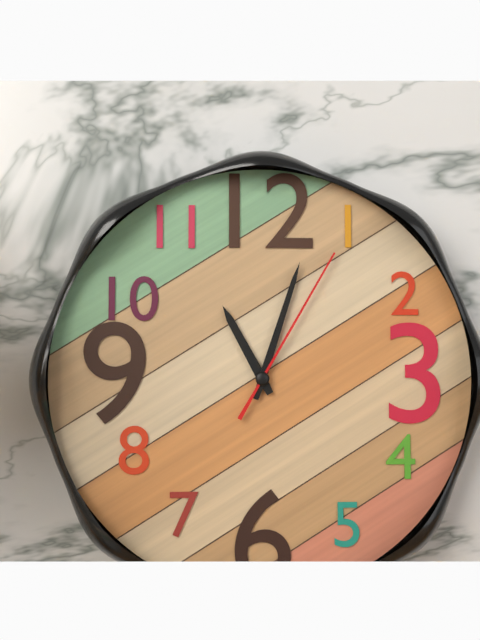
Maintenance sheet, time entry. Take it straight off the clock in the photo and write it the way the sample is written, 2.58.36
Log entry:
11.03.05
